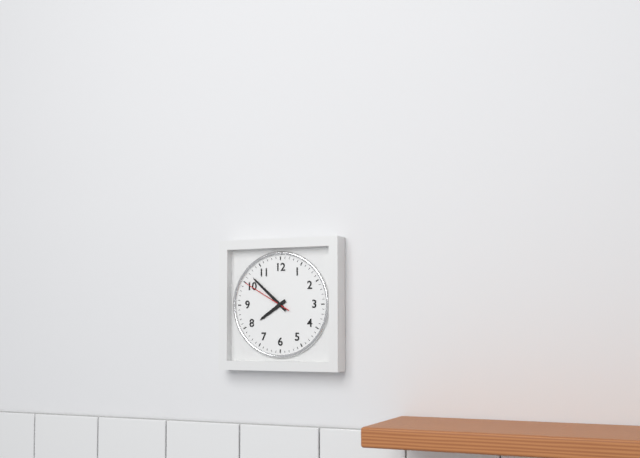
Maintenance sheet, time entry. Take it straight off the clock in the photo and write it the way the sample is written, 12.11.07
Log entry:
7.52.50
